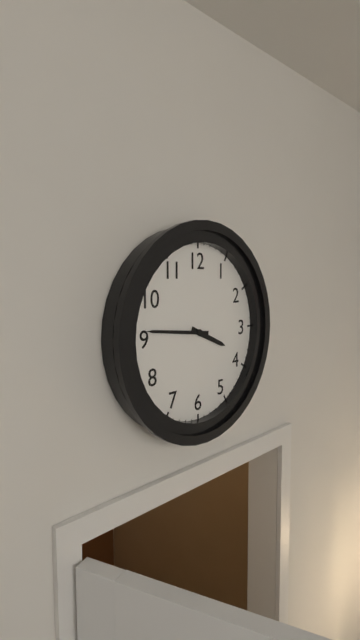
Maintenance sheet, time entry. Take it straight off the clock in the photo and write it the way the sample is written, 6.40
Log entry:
3.46
